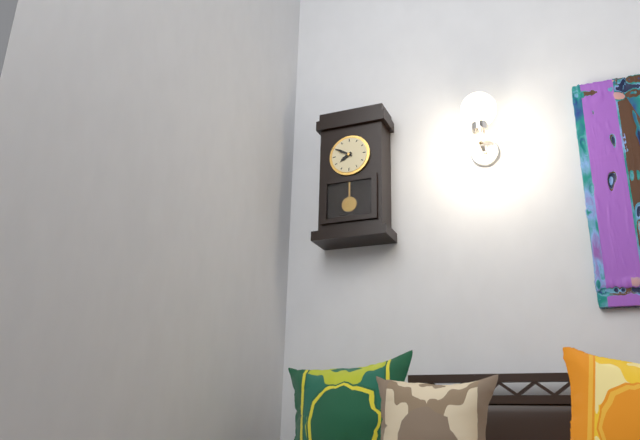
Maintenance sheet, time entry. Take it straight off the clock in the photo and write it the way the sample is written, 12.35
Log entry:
7.50
